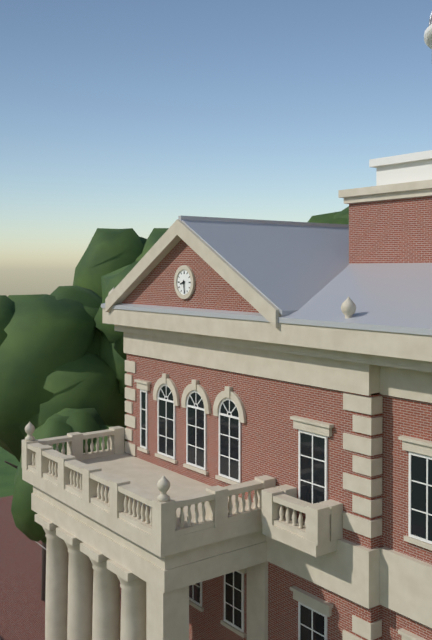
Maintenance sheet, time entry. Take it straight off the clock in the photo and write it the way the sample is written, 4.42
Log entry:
8.29
